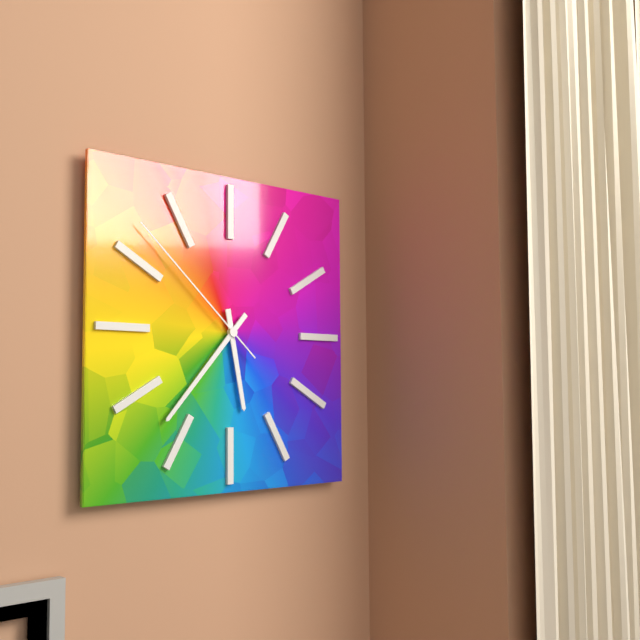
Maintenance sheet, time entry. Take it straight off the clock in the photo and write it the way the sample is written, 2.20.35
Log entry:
5.37.52
